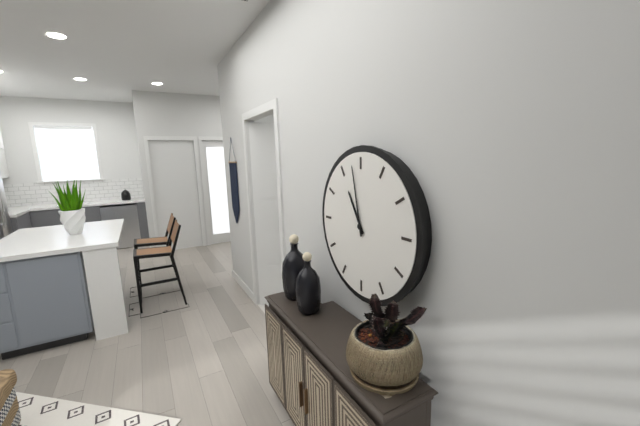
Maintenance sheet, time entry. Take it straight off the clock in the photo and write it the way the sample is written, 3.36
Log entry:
10.58
